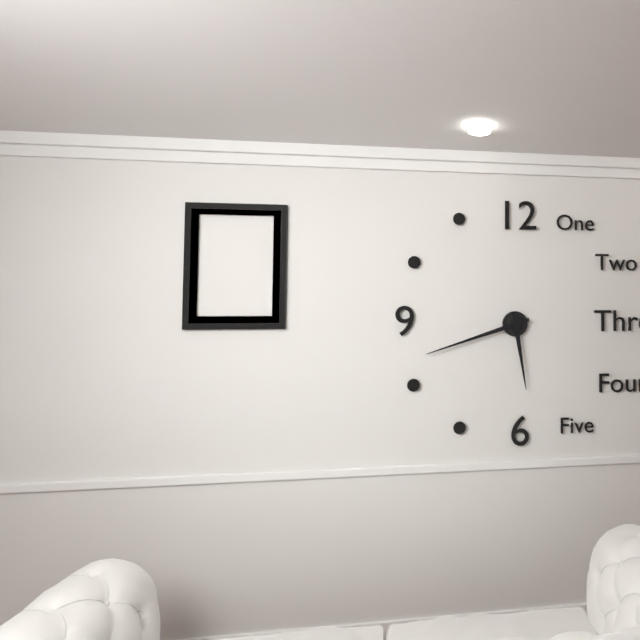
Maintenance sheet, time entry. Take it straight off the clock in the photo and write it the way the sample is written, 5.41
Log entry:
5.42
